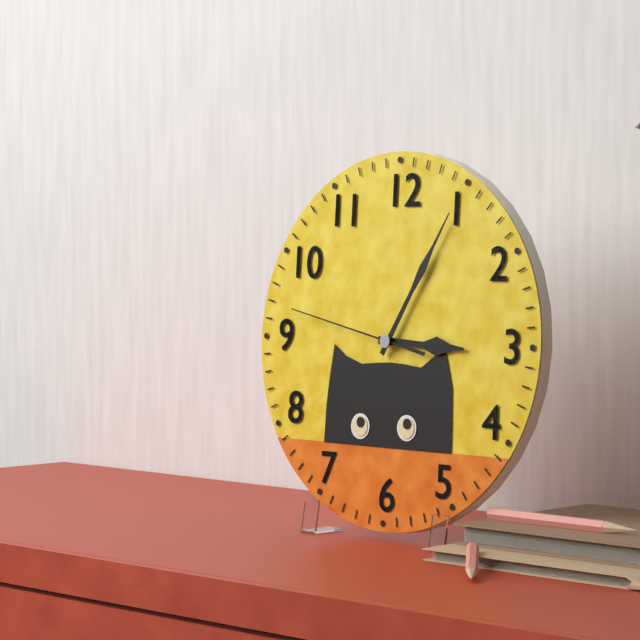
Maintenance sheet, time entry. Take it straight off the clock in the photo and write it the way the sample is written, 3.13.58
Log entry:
3.05.47
